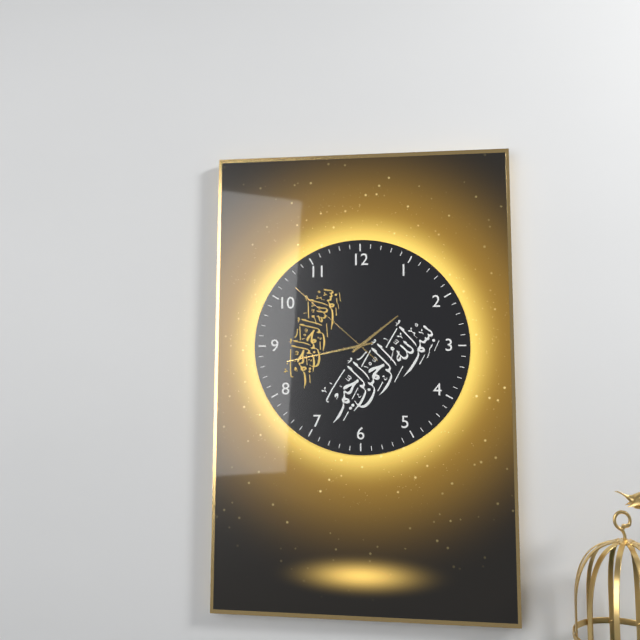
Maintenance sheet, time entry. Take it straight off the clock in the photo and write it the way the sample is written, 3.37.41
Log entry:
1.43.52
